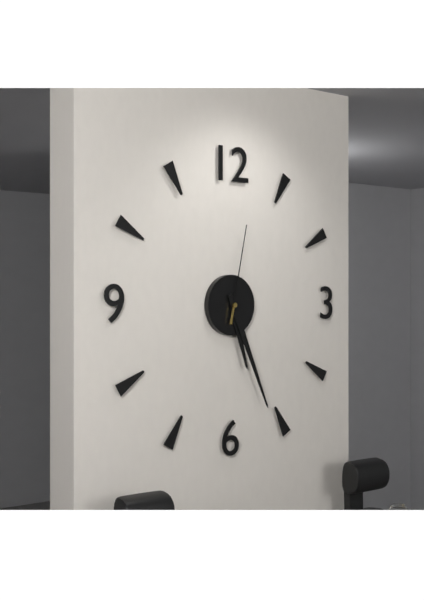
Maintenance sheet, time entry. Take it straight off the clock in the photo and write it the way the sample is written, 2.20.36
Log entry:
5.26.02
